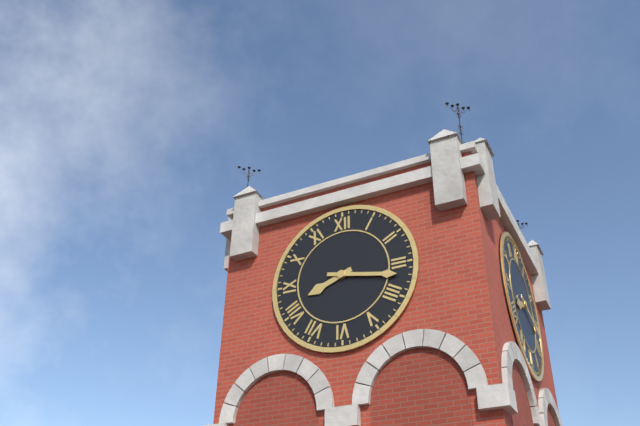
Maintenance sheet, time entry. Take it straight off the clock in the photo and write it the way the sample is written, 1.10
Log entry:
8.17
